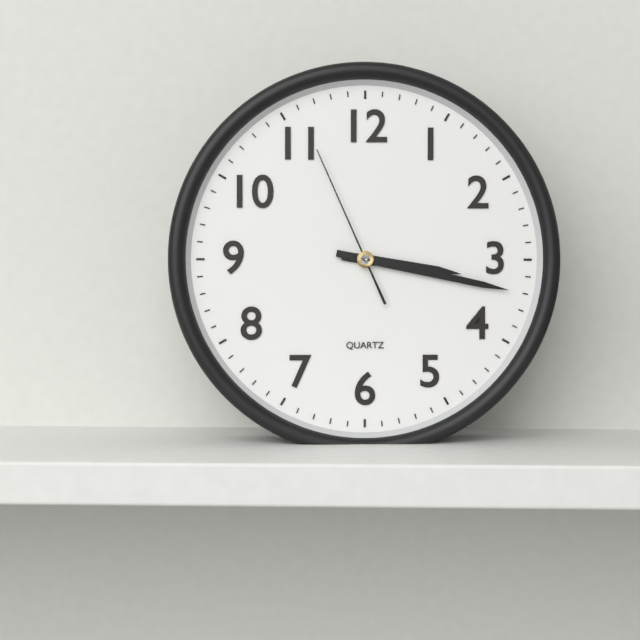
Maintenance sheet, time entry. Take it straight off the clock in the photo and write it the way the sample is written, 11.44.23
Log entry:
3.17.56
